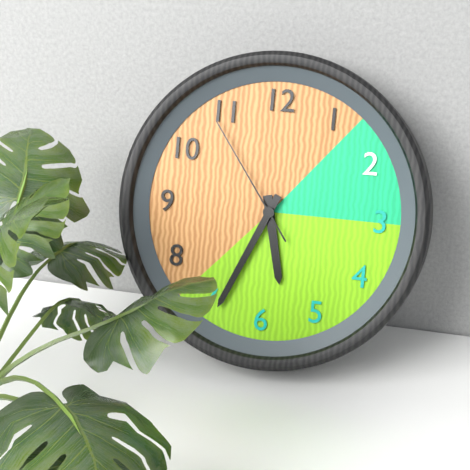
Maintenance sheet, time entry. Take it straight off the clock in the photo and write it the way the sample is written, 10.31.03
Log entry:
5.34.54
